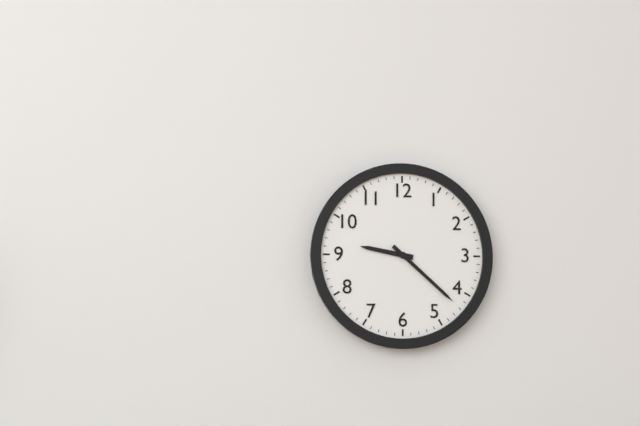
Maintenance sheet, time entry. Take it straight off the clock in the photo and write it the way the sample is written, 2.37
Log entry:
9.22
